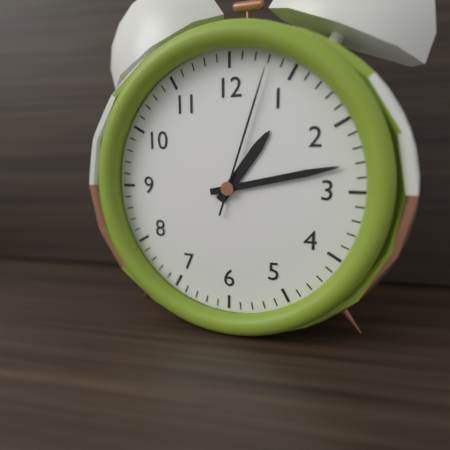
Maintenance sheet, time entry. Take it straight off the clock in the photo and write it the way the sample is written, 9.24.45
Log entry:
1.13.03
